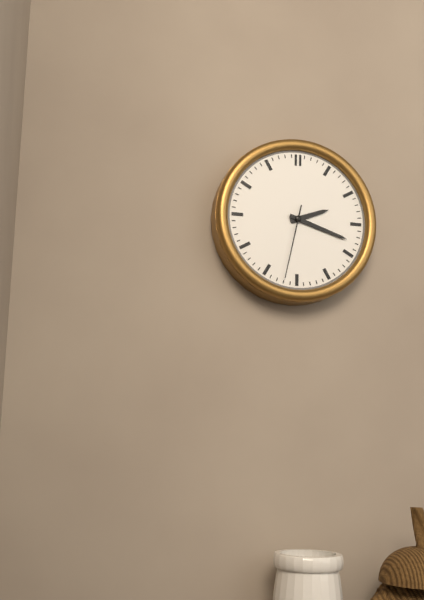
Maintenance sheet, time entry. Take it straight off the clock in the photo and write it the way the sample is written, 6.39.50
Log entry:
2.18.32
